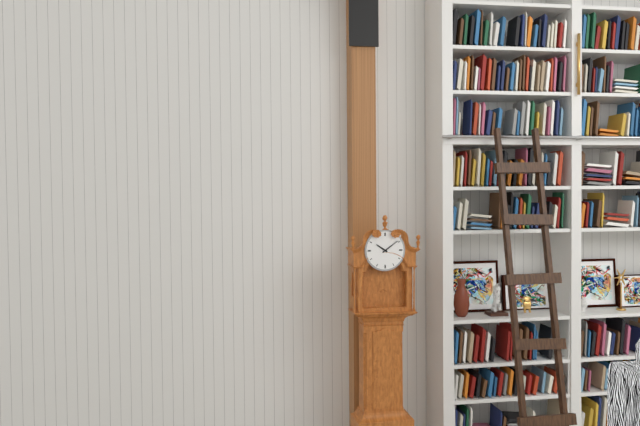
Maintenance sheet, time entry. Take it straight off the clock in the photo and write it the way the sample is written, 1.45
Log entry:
10.09
